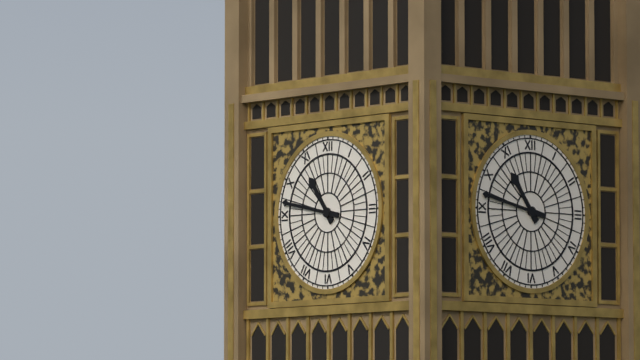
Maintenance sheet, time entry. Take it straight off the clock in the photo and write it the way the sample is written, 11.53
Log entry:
10.47
